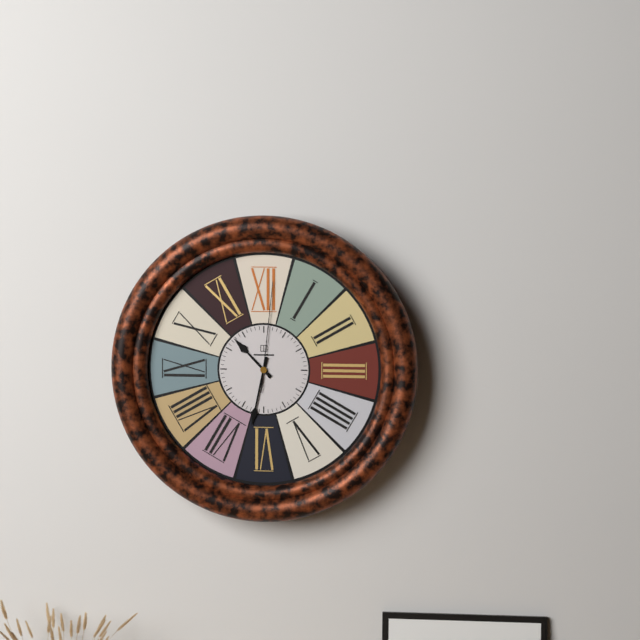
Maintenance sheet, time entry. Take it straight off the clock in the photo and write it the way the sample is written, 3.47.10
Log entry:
10.32.01
